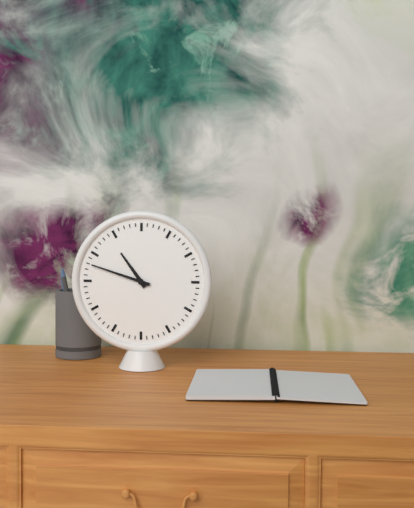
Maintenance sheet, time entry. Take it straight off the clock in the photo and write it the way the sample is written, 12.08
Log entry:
10.48
